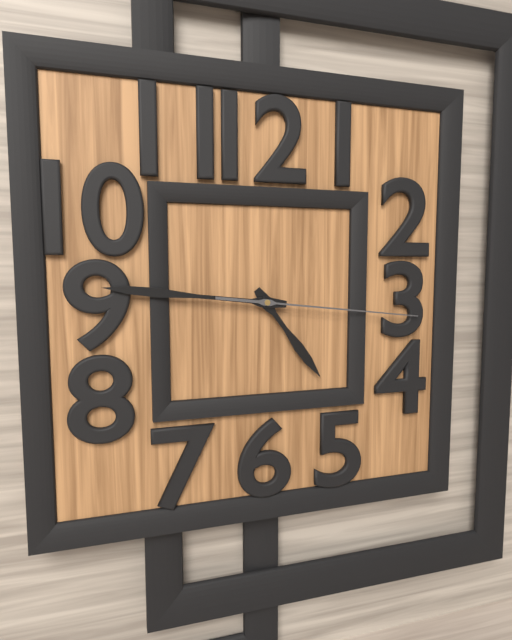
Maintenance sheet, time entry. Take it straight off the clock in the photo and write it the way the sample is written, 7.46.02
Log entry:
4.46.16
